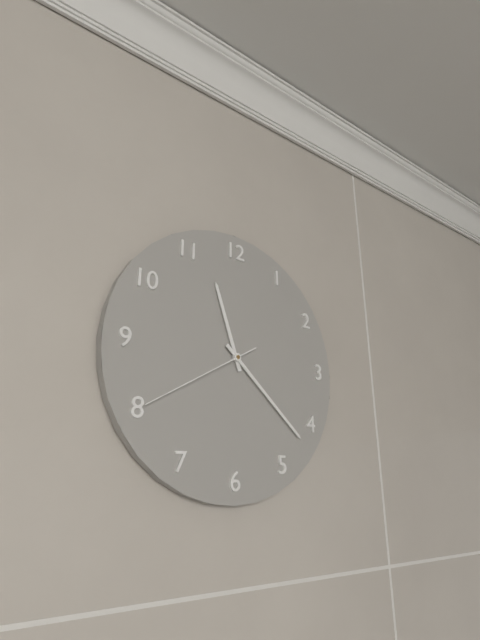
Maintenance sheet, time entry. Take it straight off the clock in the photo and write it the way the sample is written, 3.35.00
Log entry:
11.22.40
